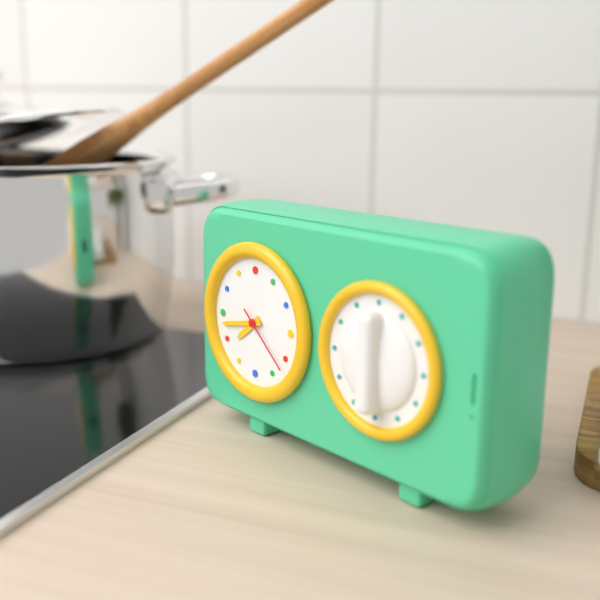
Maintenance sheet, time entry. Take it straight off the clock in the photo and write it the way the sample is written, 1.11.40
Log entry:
7.43.22
